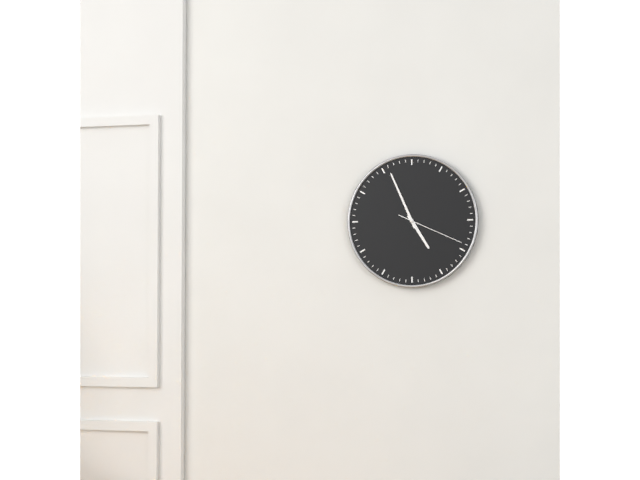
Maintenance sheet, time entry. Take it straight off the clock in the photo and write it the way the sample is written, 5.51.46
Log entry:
4.56.19
